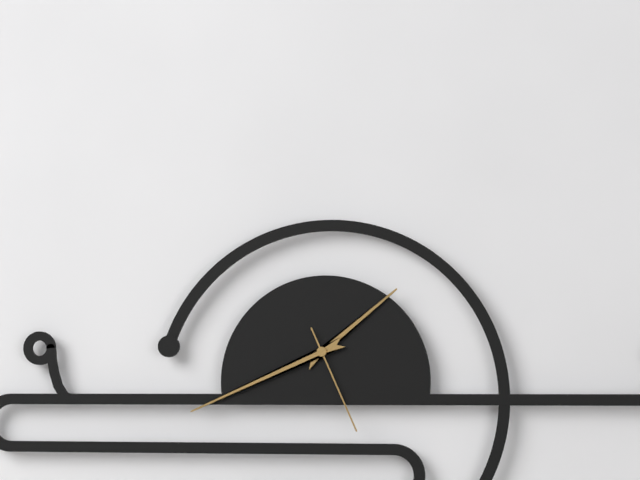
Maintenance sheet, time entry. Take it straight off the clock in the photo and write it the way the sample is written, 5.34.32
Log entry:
1.41.26
